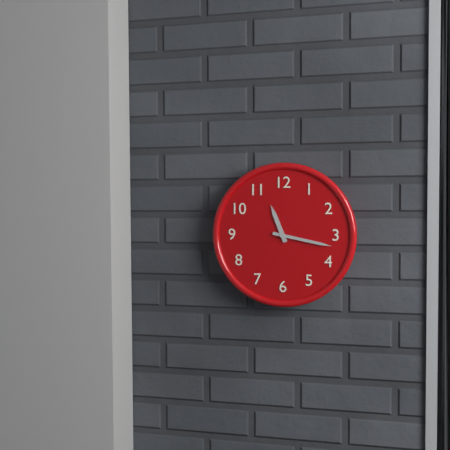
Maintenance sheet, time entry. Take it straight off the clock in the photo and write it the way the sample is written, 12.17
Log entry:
11.17
